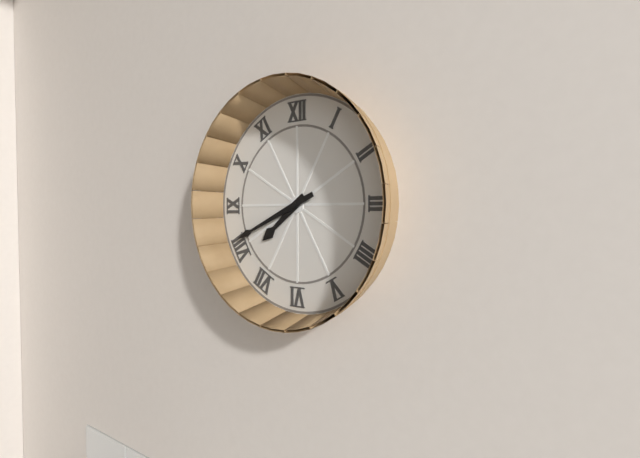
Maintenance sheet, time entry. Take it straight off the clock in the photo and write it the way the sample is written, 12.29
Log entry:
7.41
